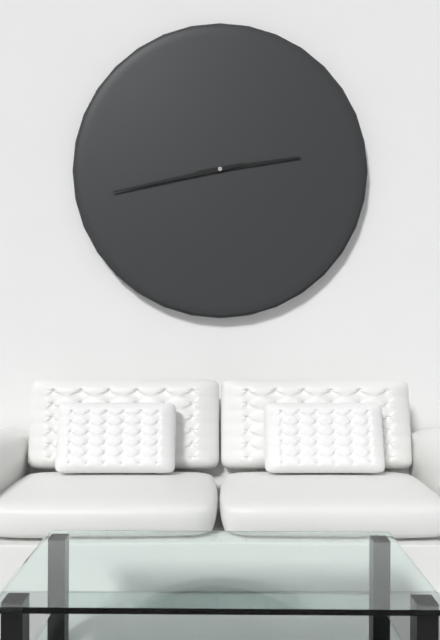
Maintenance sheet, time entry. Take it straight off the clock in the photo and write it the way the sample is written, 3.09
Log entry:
2.43
